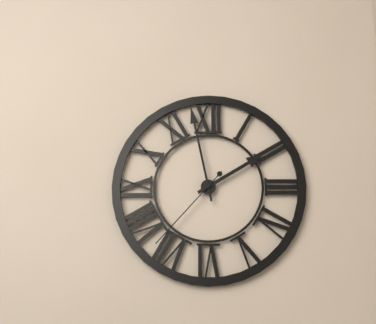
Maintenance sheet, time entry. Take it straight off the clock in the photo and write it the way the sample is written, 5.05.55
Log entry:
1.58.37
